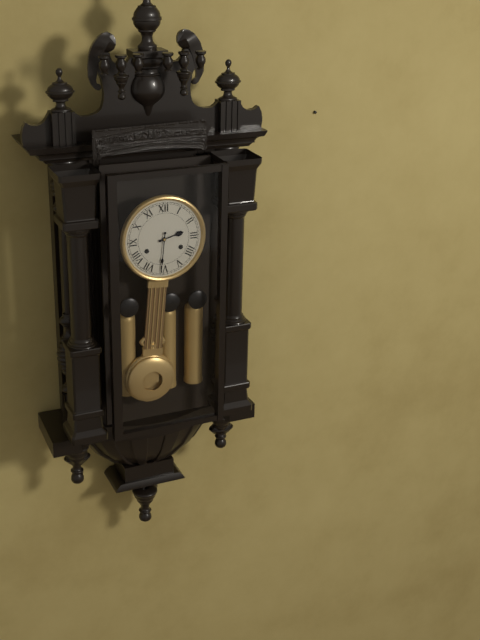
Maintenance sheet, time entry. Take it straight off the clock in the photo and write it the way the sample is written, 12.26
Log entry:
2.31
